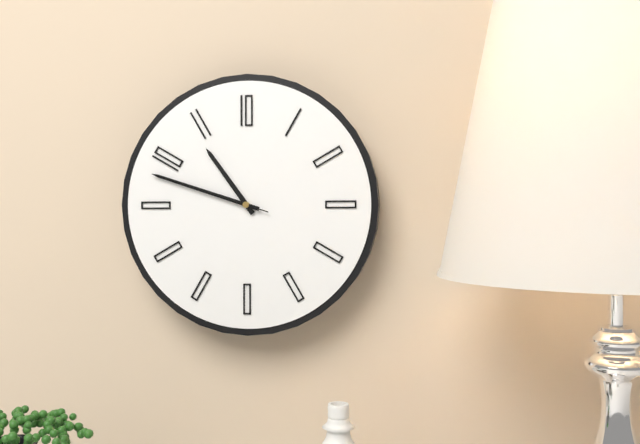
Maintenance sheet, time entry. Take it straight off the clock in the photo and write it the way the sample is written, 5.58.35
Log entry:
10.48.48
